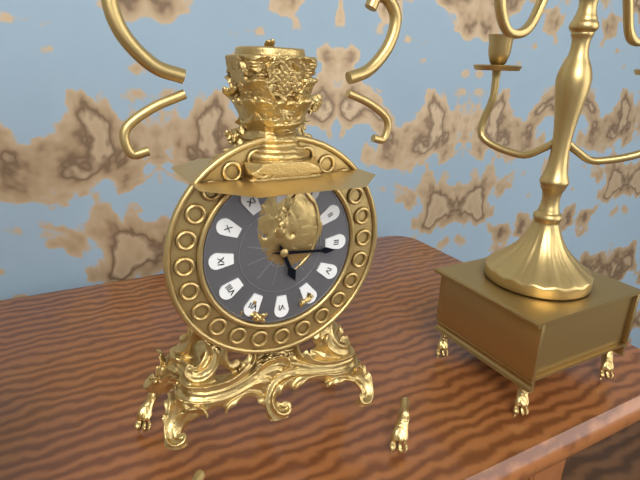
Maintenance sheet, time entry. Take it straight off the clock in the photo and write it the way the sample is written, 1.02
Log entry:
5.16
